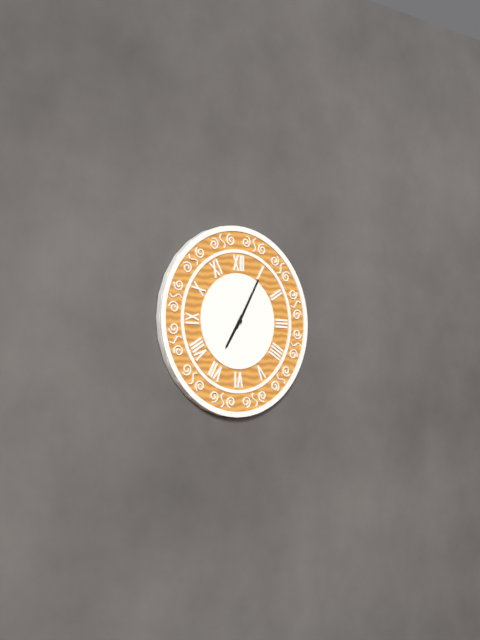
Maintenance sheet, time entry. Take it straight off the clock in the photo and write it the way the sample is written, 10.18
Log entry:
7.05
